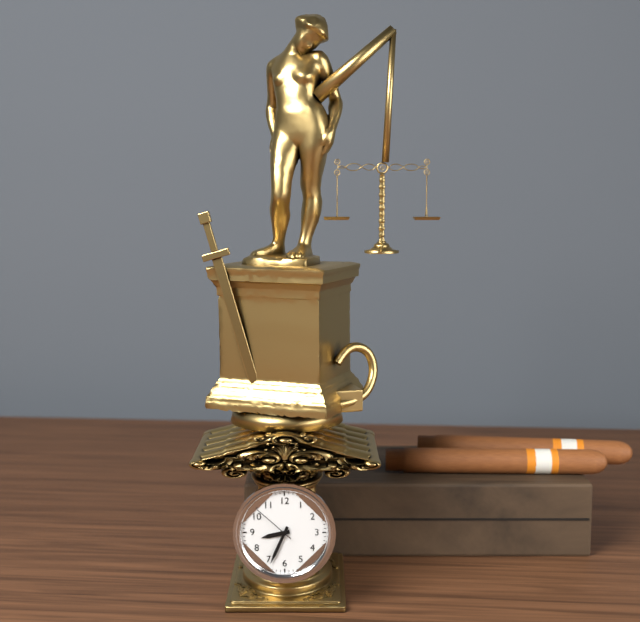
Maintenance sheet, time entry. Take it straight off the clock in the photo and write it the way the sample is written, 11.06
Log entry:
8.34
